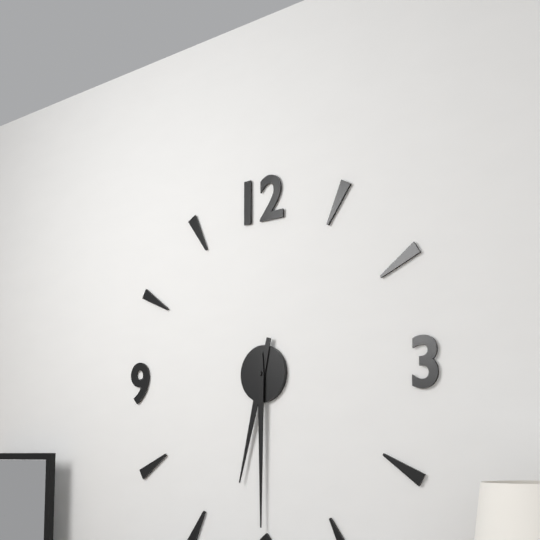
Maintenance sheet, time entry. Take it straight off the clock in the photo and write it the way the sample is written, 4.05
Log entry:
6.30
